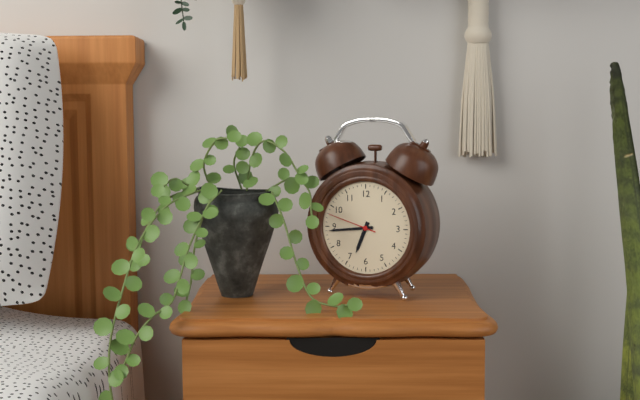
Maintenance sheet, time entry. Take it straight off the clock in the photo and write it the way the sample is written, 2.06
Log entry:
6.44
